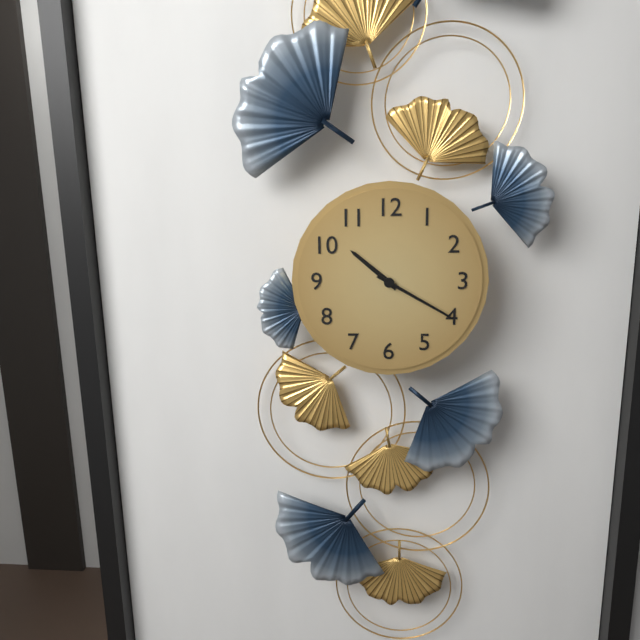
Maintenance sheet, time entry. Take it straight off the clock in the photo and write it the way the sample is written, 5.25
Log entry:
10.20
